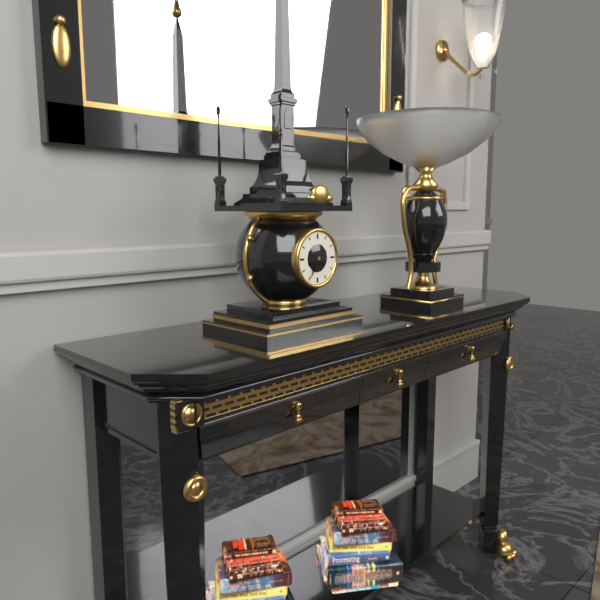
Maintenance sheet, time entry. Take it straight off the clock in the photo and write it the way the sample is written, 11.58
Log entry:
4.35
